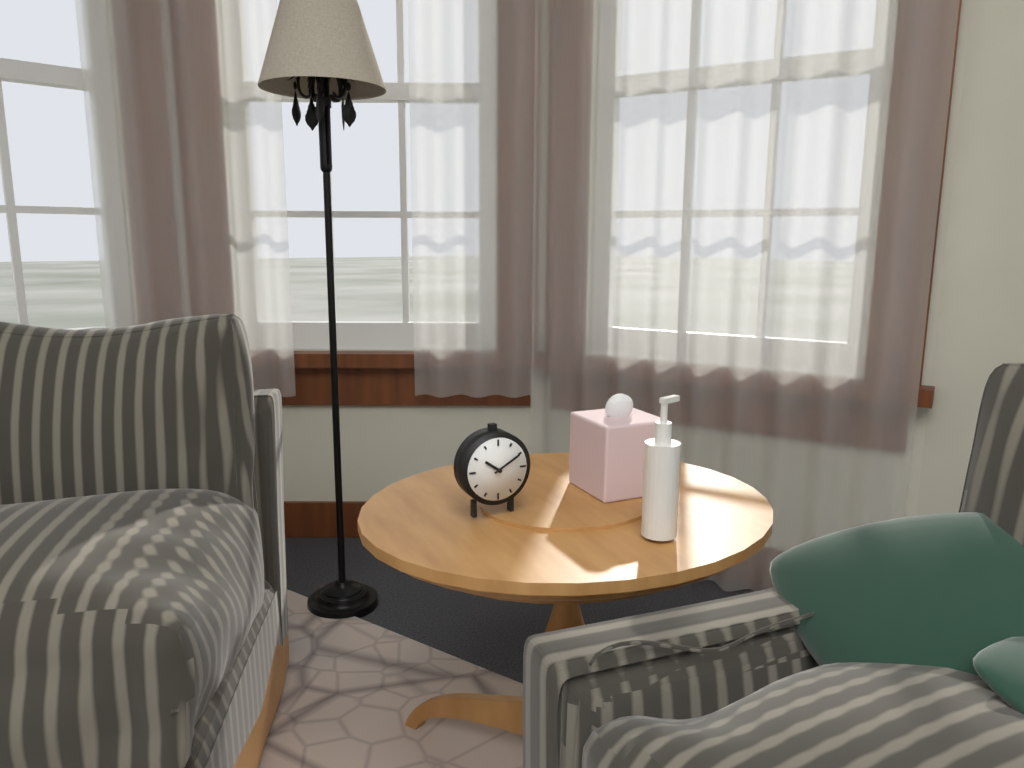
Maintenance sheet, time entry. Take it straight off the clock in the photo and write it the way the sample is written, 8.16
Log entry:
10.10
